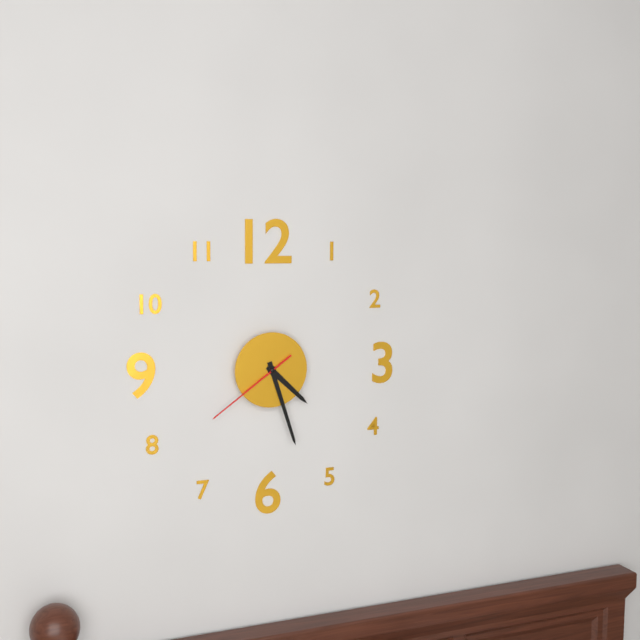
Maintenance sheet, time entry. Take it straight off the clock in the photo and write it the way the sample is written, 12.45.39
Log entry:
4.27.39
